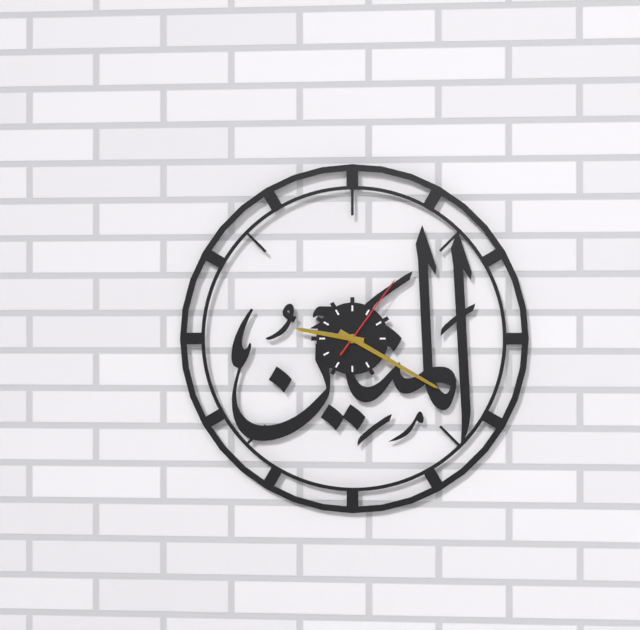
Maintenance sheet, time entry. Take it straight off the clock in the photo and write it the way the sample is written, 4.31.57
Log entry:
9.20.06
